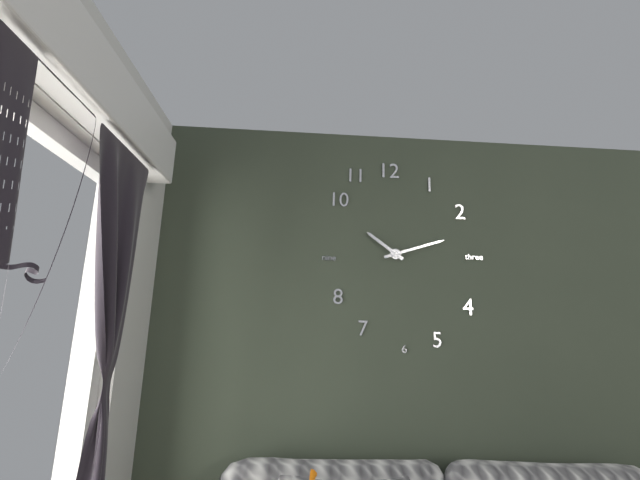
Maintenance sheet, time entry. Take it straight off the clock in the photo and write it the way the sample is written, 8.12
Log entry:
10.12
